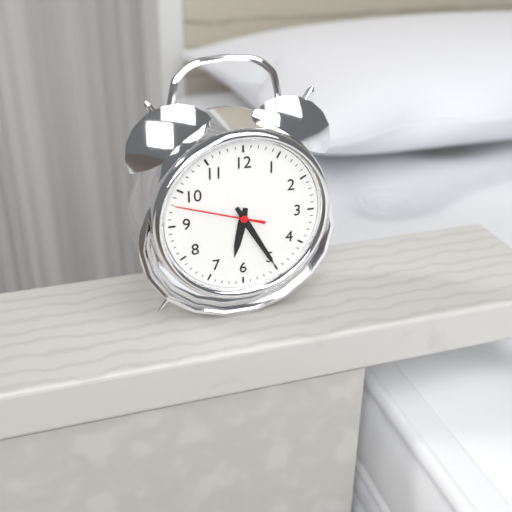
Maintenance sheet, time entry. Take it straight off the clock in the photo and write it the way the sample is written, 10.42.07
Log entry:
6.25.48
